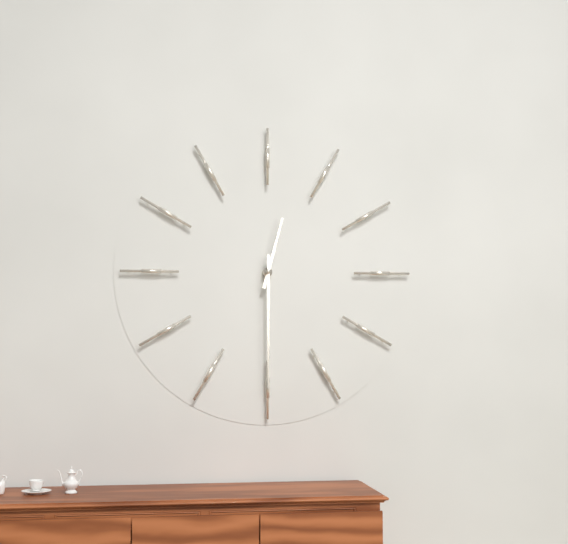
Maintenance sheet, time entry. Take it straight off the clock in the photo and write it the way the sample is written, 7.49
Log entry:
12.30
